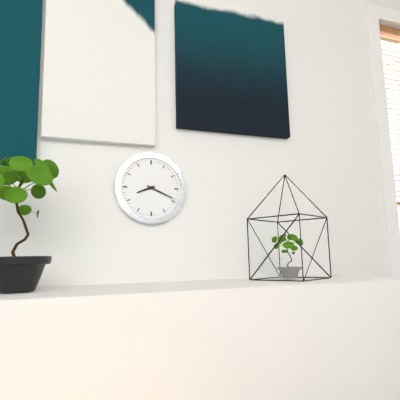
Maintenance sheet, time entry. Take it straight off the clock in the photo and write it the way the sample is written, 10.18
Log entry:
8.19
